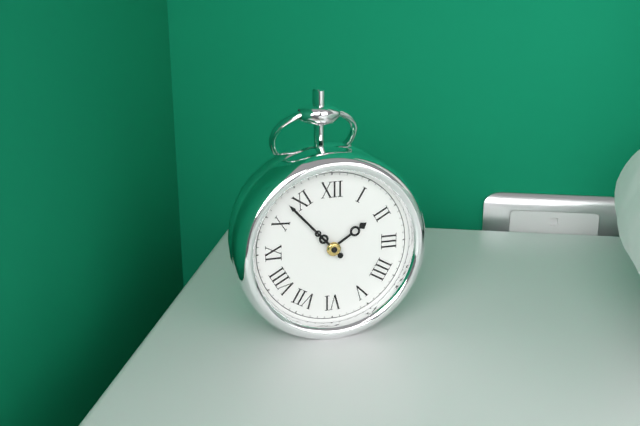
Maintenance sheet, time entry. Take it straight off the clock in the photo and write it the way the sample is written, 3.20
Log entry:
1.53
